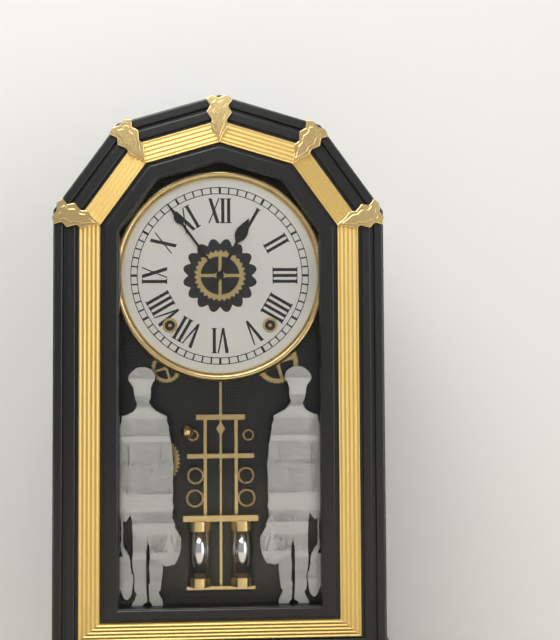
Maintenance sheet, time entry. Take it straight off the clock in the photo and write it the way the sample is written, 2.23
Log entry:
12.54
